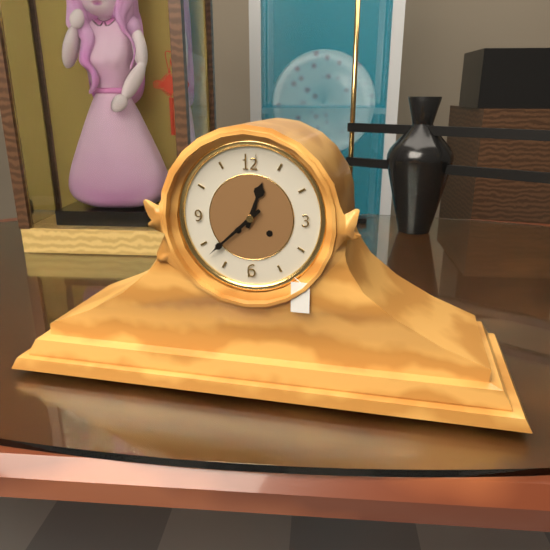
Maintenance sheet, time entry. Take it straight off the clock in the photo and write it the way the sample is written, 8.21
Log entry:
12.38
